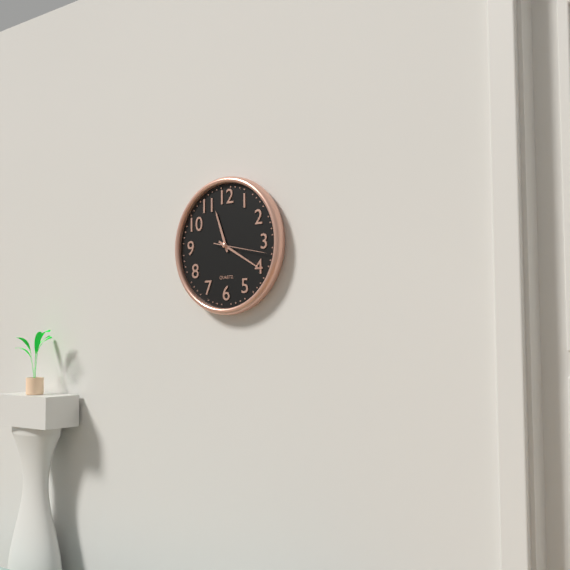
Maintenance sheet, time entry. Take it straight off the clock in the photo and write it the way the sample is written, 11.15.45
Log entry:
11.20.17
